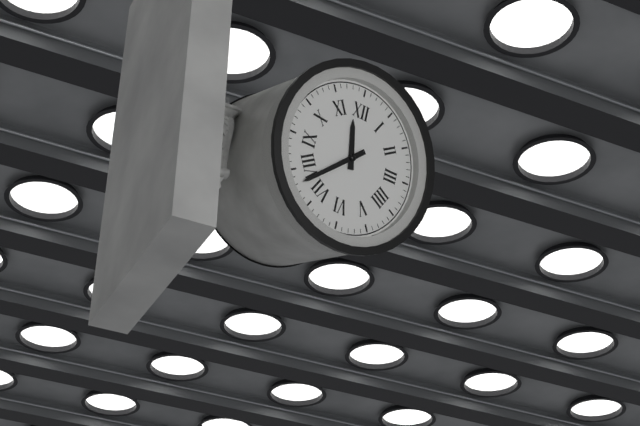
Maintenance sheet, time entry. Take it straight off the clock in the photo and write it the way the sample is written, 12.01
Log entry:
11.38
